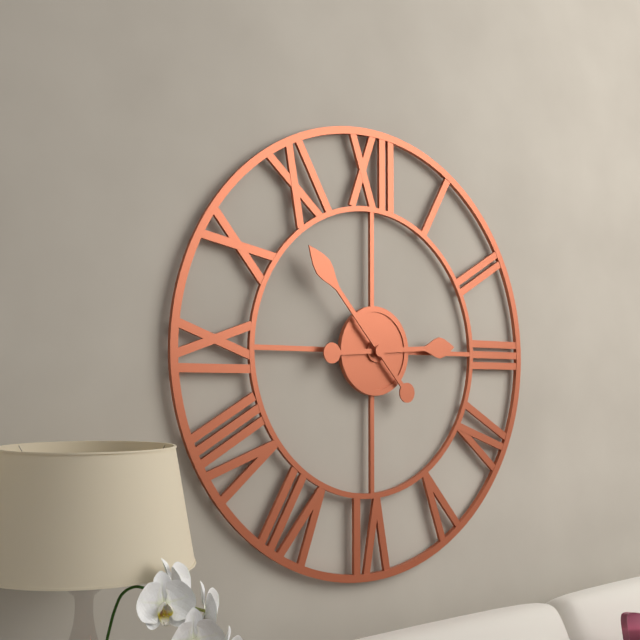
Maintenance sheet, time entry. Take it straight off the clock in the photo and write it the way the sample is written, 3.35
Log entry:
2.53
